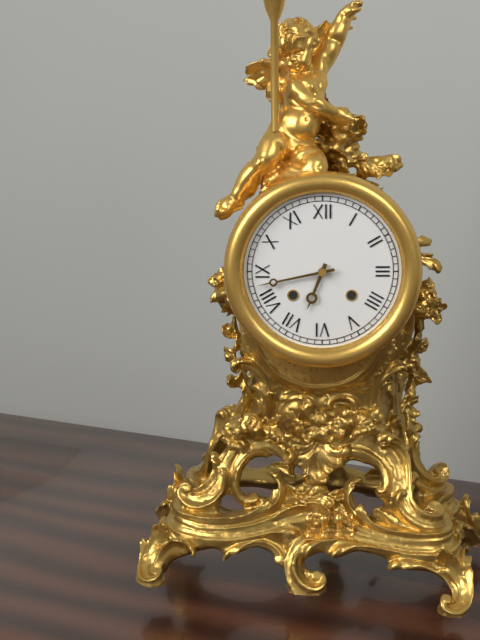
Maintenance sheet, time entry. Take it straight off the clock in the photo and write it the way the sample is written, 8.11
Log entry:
6.43
